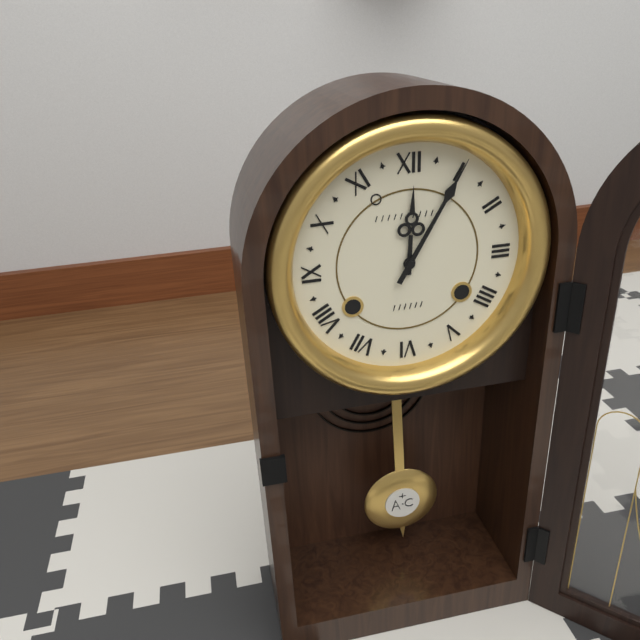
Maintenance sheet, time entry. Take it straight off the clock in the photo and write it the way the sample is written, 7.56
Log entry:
12.05
